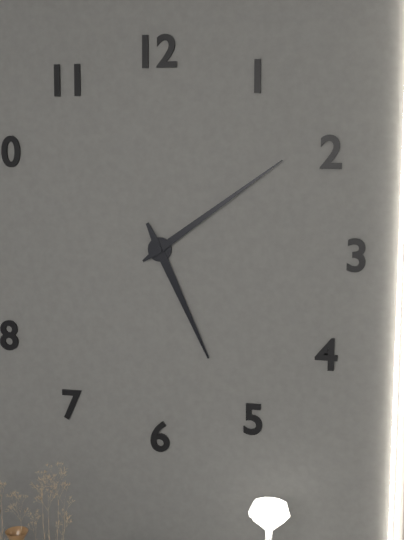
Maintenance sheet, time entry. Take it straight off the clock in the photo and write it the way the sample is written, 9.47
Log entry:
5.09
